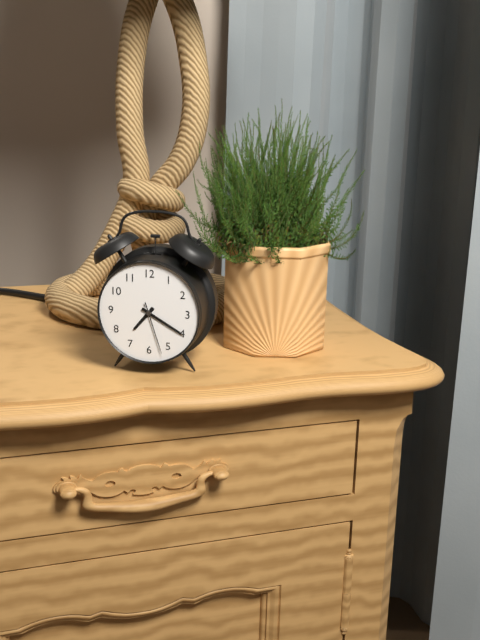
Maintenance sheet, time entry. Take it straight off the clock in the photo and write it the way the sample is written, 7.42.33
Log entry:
7.20.27
